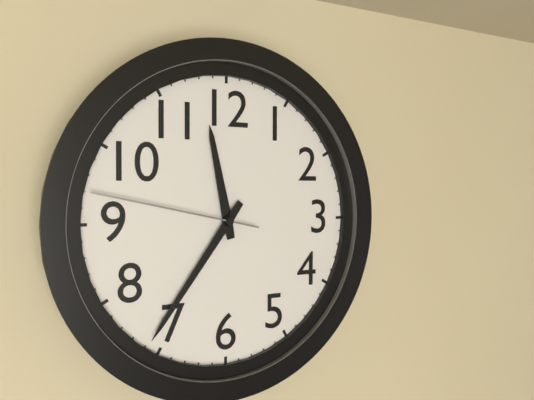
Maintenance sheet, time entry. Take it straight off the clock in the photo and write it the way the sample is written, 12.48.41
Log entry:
11.36.47
